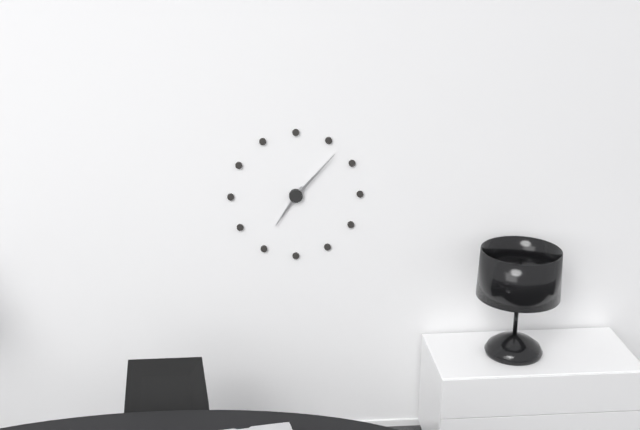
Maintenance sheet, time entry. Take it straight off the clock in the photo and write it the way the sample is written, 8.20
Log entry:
7.07
